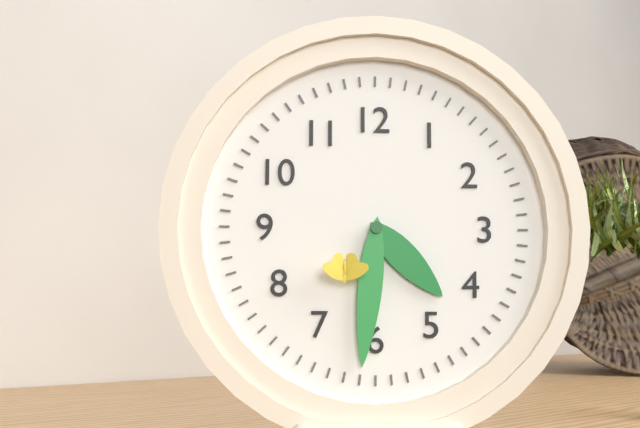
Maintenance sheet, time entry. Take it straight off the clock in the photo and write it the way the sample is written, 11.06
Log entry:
4.31
